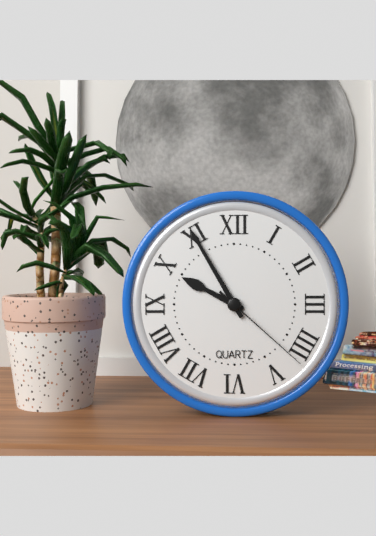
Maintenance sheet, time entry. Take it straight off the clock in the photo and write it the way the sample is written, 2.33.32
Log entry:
9.55.22
